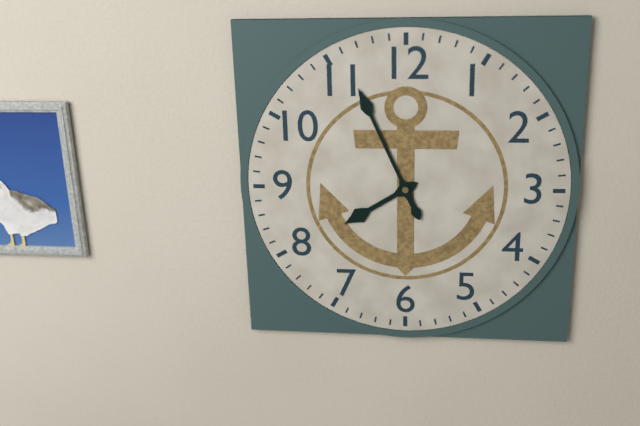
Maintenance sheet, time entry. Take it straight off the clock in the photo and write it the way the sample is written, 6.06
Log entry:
7.56
